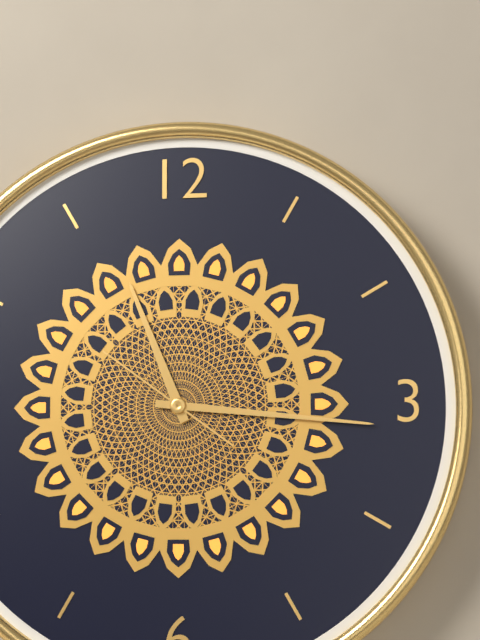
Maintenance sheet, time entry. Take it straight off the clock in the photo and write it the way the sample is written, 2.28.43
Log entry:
11.16.51
